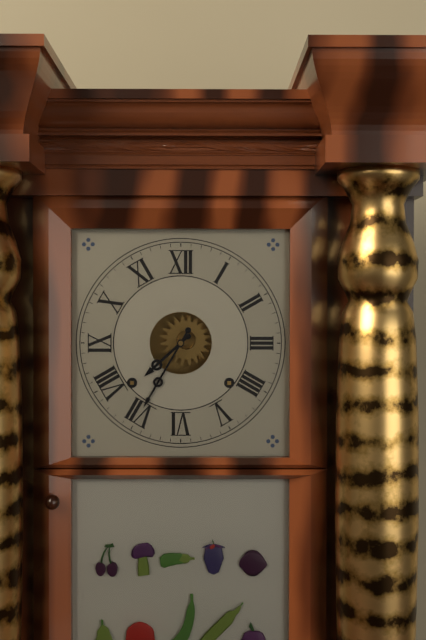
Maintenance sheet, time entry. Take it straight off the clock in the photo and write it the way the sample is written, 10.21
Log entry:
7.35
